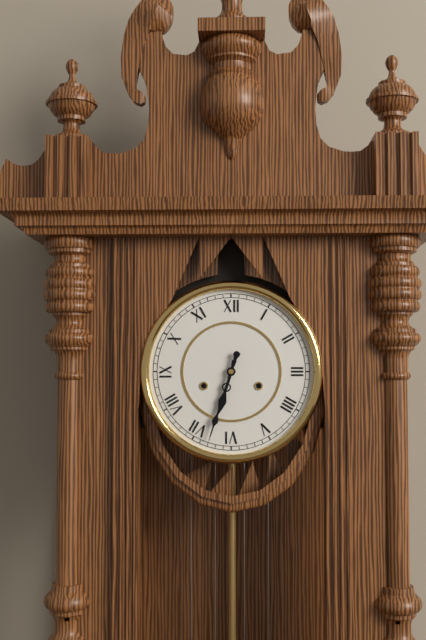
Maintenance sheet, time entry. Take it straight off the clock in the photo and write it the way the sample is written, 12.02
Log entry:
6.33
